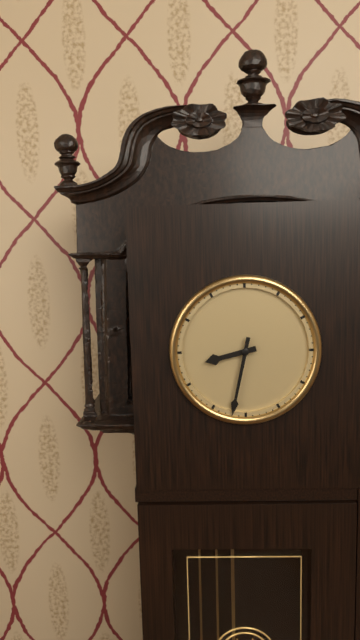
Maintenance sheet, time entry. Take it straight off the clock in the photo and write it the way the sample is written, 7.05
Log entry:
8.32
